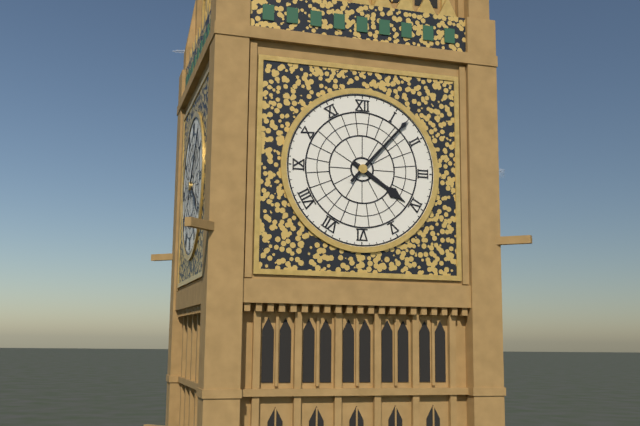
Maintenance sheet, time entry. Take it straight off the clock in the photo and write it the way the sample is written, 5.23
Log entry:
4.07
